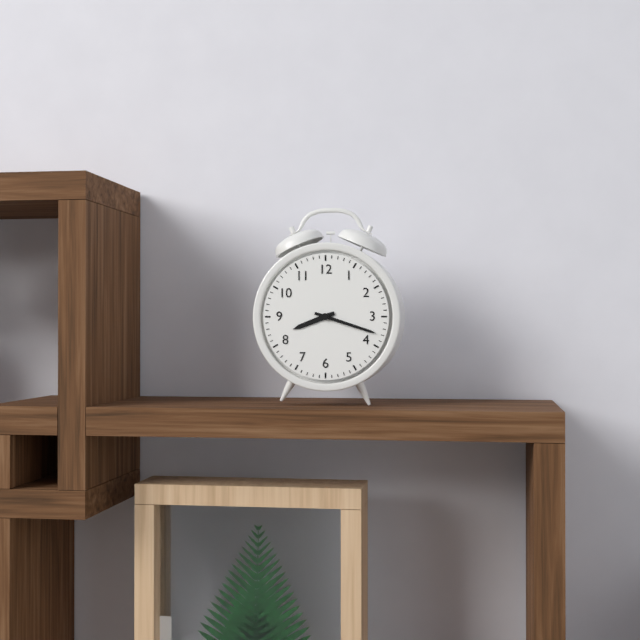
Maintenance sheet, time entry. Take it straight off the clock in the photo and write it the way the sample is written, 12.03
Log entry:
8.18
